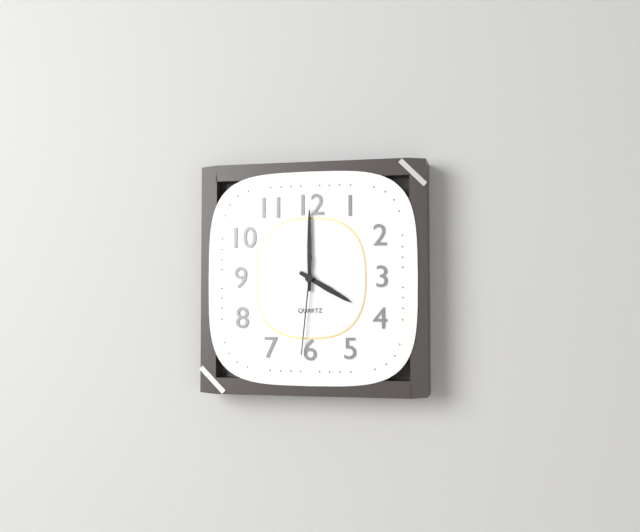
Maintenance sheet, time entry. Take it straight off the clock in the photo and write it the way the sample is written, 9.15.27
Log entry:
4.00.31
